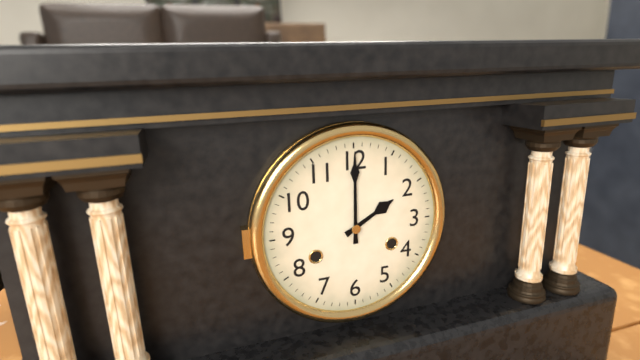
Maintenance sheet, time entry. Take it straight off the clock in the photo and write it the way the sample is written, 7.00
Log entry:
2.00
